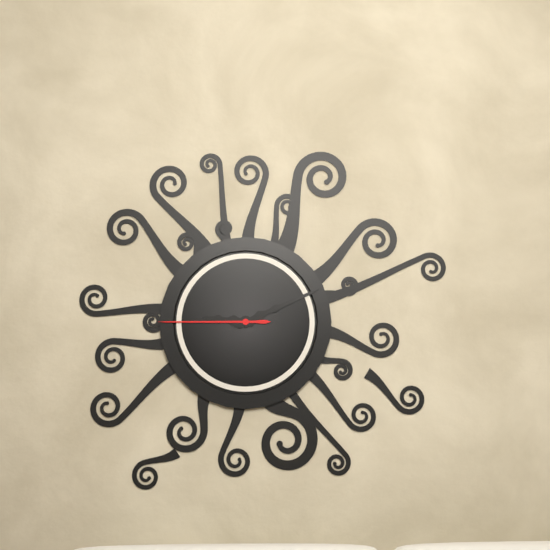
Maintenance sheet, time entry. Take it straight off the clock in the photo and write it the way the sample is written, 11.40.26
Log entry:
9.11.45
